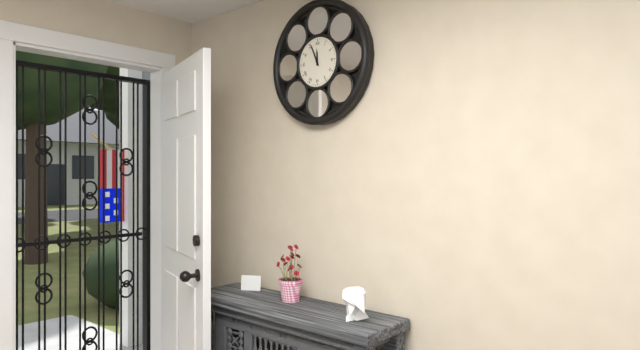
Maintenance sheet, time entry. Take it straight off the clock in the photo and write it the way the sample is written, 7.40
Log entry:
11.56
